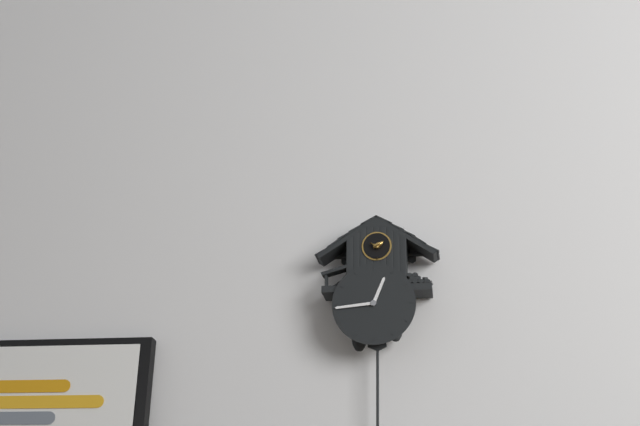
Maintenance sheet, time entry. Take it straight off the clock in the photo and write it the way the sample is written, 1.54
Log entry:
12.44
